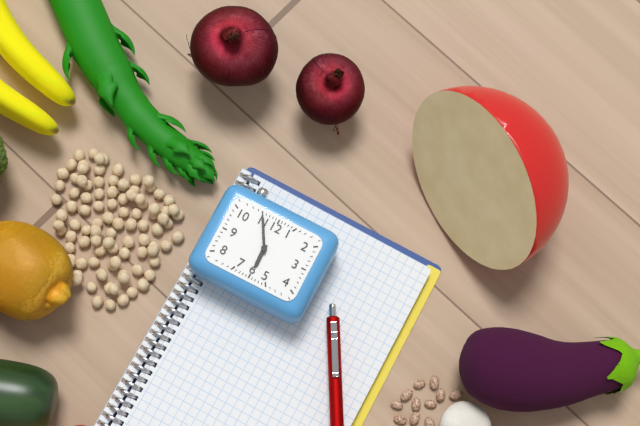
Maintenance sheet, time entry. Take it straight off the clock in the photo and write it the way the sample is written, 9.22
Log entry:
5.55
